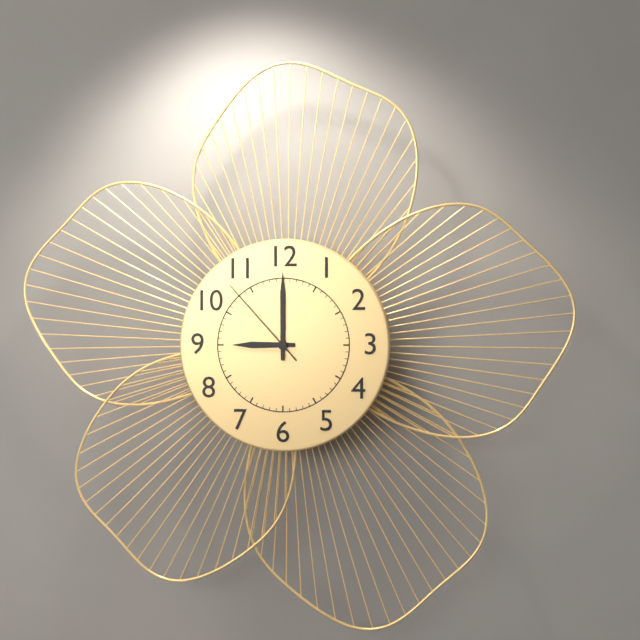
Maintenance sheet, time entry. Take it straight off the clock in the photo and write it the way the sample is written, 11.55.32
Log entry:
9.00.53
